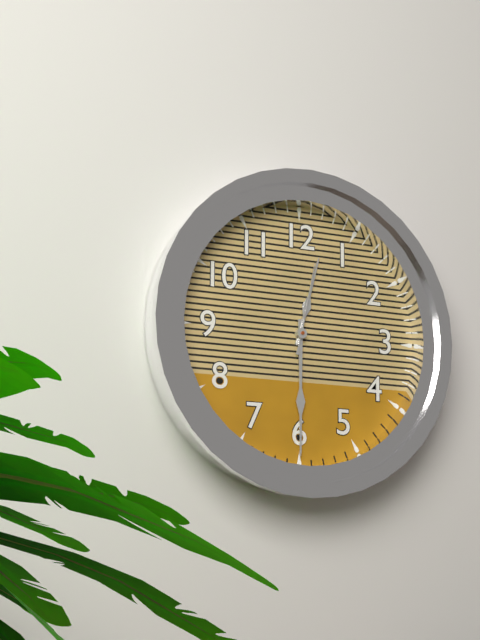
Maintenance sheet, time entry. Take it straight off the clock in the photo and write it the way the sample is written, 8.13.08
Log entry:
12.30.02
